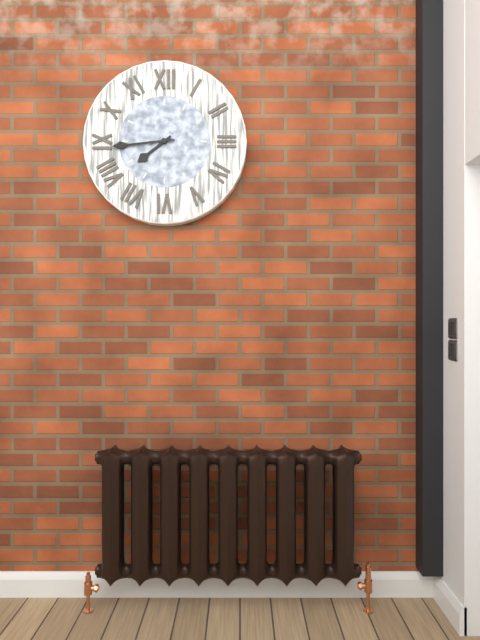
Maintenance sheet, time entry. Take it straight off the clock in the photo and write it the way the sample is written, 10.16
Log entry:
7.44
